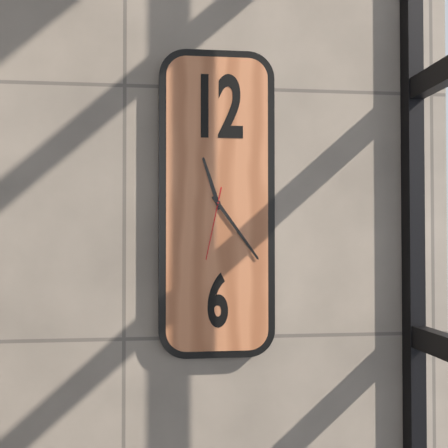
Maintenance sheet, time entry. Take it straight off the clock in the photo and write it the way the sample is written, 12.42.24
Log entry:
11.24.32
